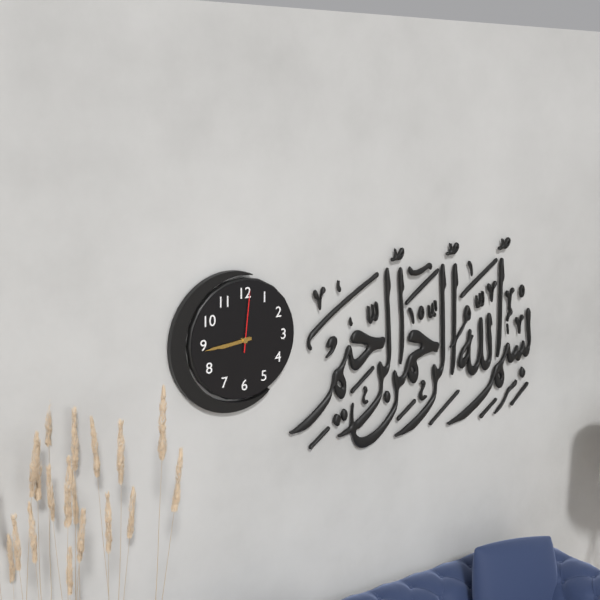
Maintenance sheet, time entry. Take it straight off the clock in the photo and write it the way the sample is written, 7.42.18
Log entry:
8.44.01
